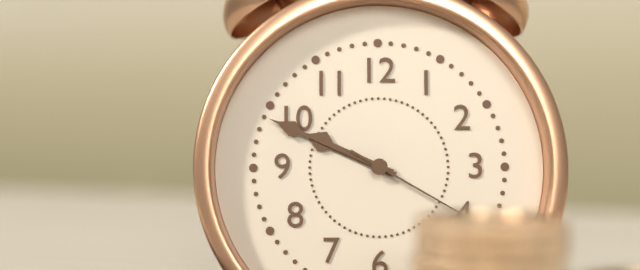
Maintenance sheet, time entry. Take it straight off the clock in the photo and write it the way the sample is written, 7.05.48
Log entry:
9.49.20
